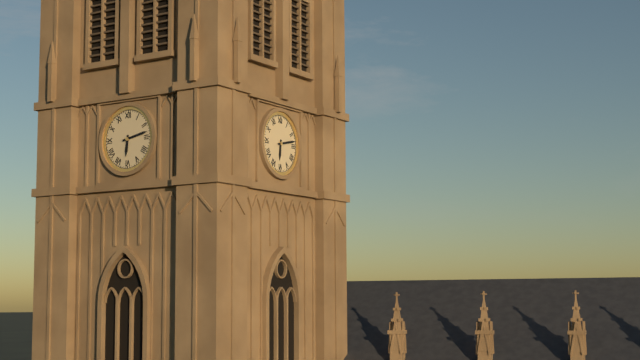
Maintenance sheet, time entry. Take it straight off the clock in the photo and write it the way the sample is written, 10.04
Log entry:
6.13
